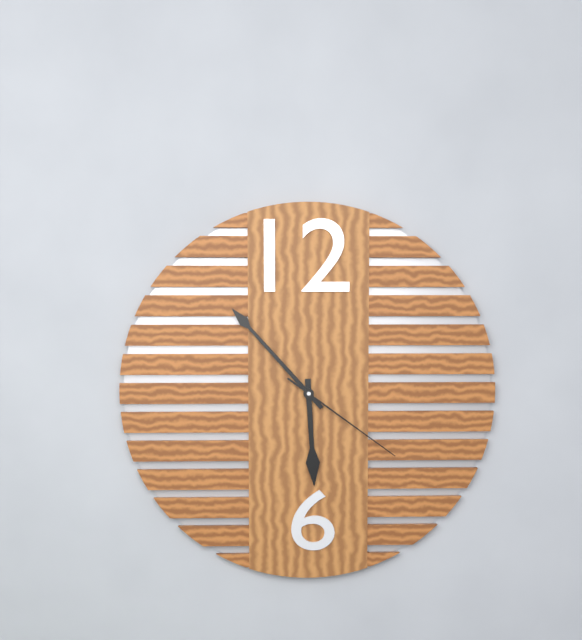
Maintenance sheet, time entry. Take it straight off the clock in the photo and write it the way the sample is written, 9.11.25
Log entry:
5.53.21
